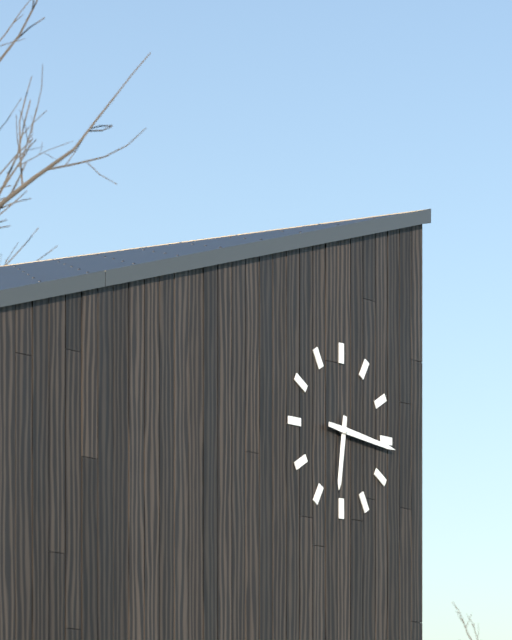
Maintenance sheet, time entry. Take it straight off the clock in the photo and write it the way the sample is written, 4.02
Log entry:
6.16
